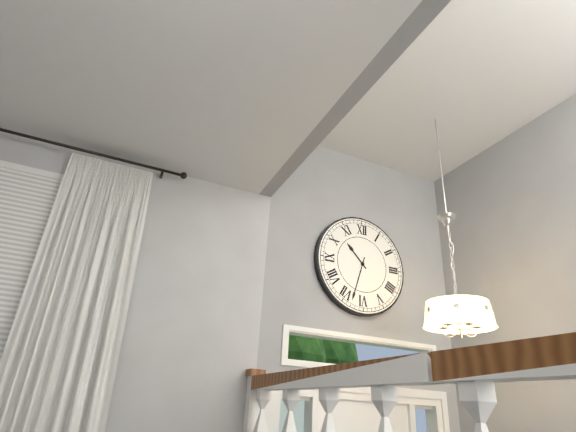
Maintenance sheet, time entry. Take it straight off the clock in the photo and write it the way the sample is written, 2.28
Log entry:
10.33
